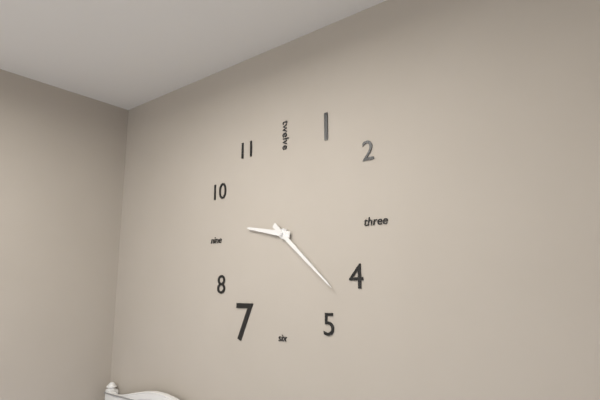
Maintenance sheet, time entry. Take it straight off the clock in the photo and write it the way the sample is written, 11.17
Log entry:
9.22
